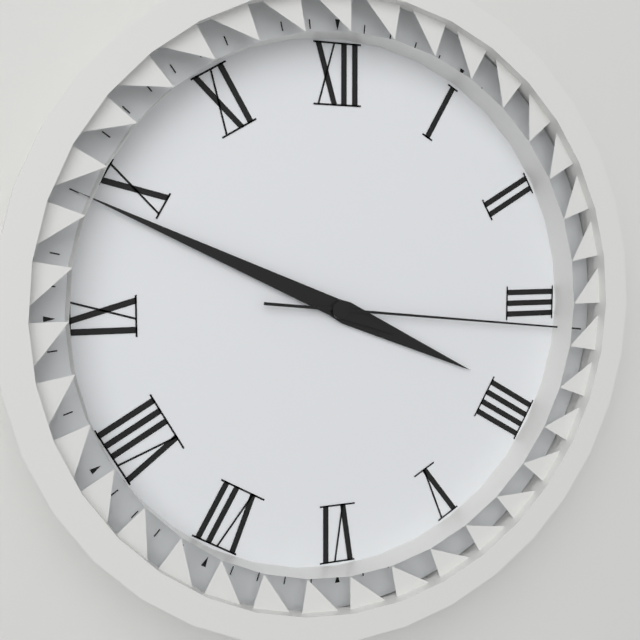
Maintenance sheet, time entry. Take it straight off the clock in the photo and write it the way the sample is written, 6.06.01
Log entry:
3.49.16
